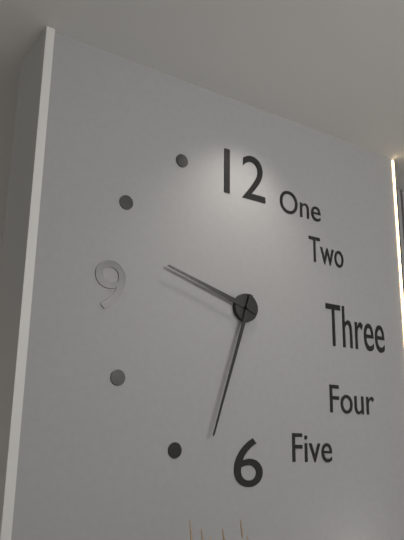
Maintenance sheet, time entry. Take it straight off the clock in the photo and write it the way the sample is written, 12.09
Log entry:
9.33
